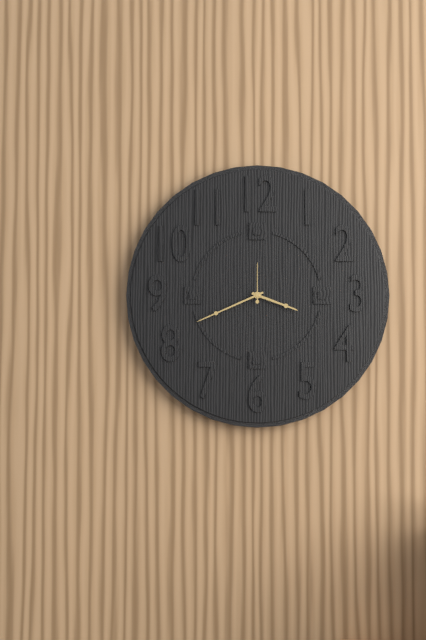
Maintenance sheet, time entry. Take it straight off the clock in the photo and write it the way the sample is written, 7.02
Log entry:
3.41
